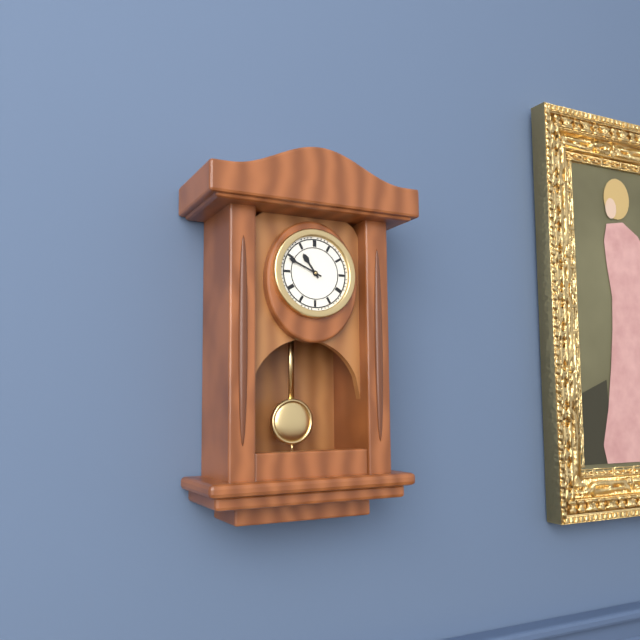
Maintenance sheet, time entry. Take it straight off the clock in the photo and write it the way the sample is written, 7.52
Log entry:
10.49
